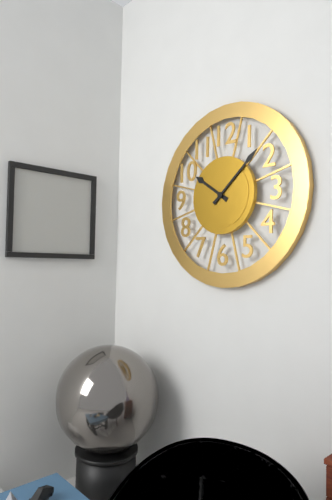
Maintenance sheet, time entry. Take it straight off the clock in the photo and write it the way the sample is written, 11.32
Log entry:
10.08
